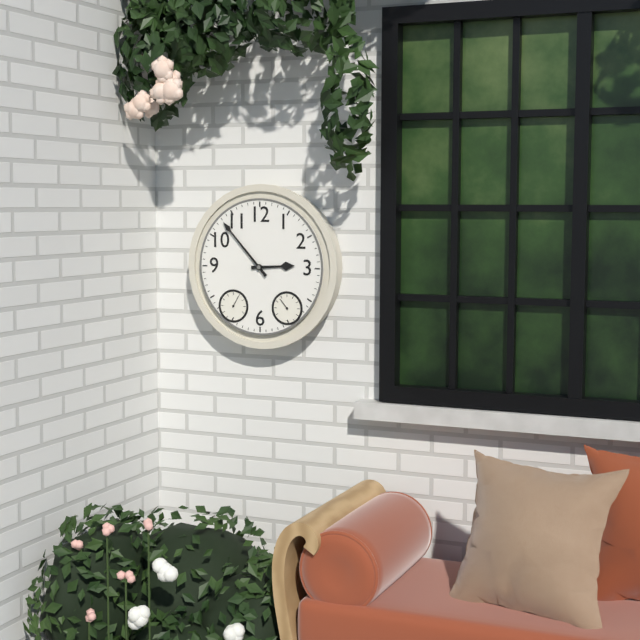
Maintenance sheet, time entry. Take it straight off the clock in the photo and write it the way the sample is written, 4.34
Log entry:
2.53
